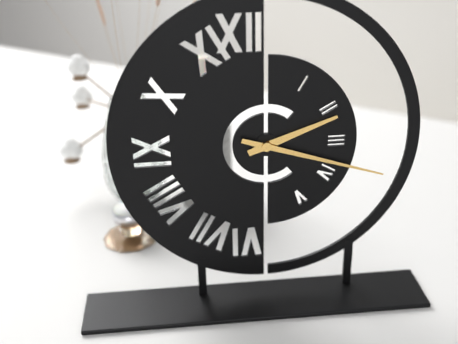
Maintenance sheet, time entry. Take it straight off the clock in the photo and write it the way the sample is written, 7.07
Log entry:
2.18
